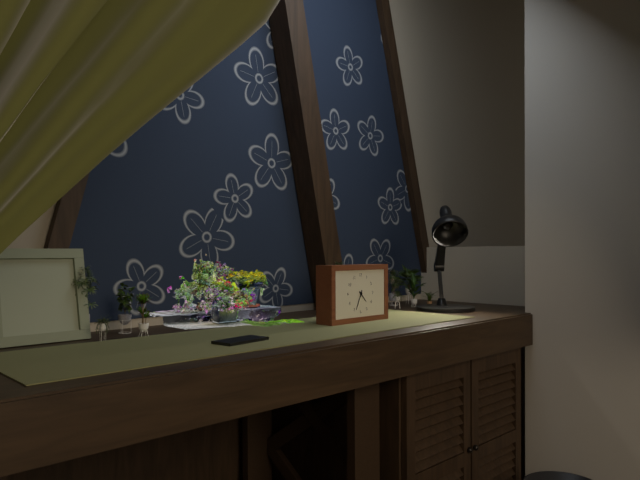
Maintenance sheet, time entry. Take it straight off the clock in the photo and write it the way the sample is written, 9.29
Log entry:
4.34
